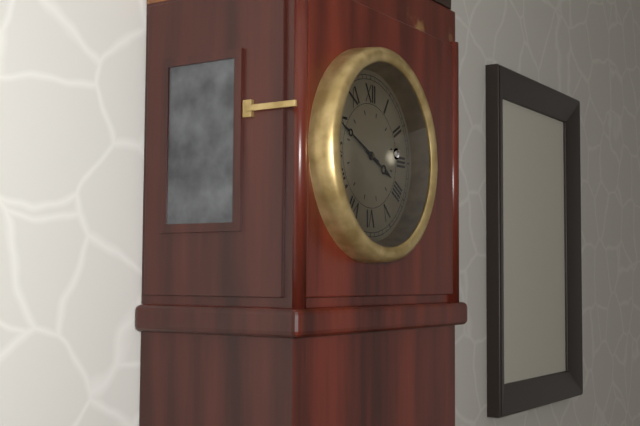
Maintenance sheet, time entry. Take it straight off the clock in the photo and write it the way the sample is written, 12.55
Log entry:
3.49
